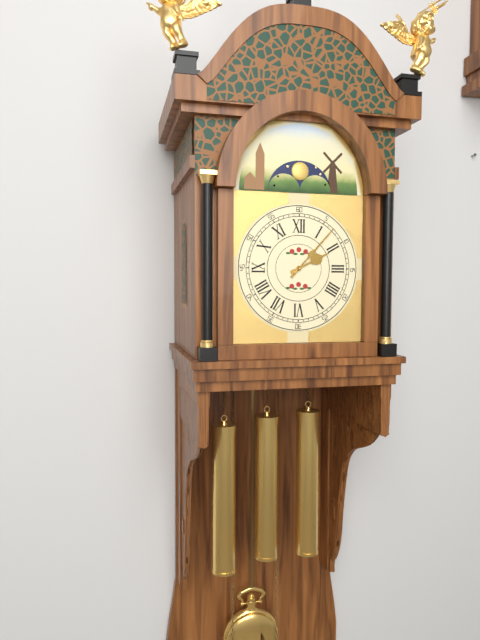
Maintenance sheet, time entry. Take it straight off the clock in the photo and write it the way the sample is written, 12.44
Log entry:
2.07
